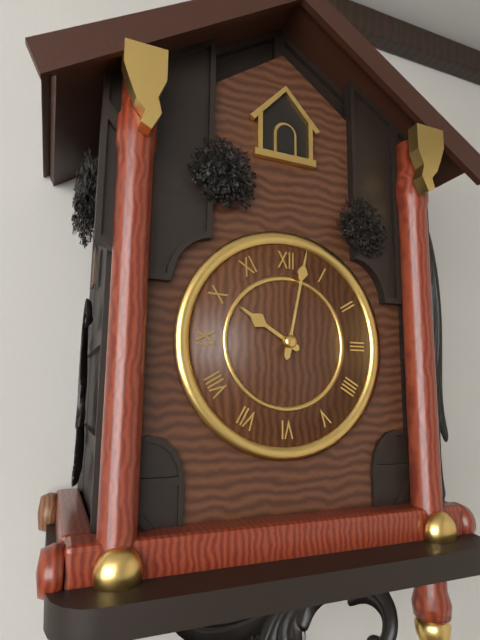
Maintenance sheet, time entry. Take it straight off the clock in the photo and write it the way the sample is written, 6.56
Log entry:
10.02
